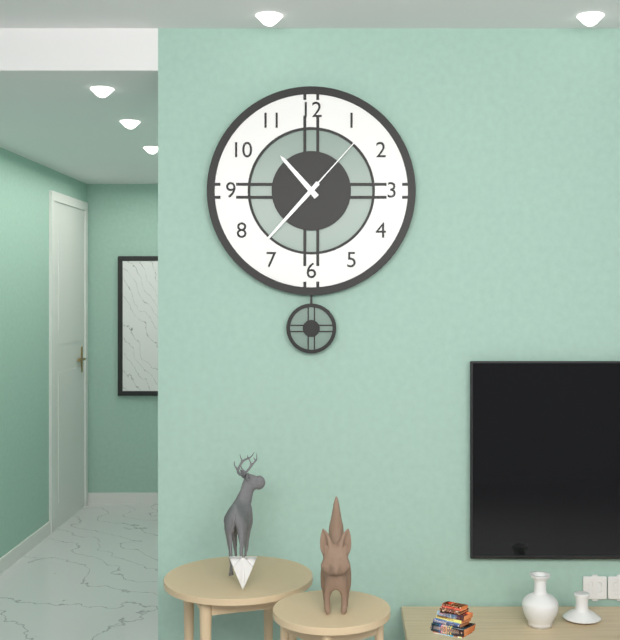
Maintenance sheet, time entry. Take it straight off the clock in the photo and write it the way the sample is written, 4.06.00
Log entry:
10.37.07
